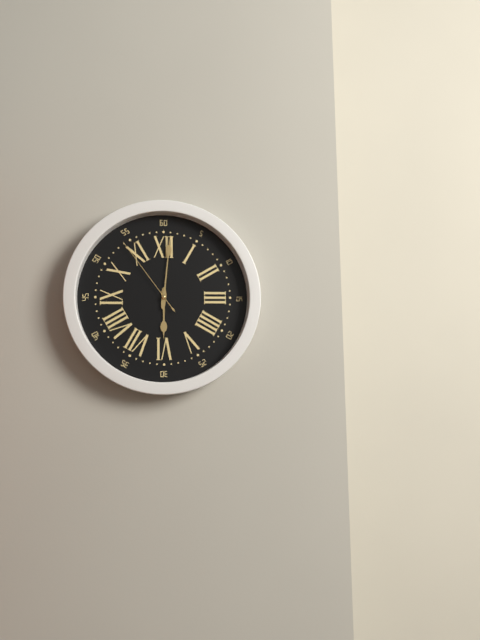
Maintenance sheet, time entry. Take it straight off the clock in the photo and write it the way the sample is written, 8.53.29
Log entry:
6.01.54
